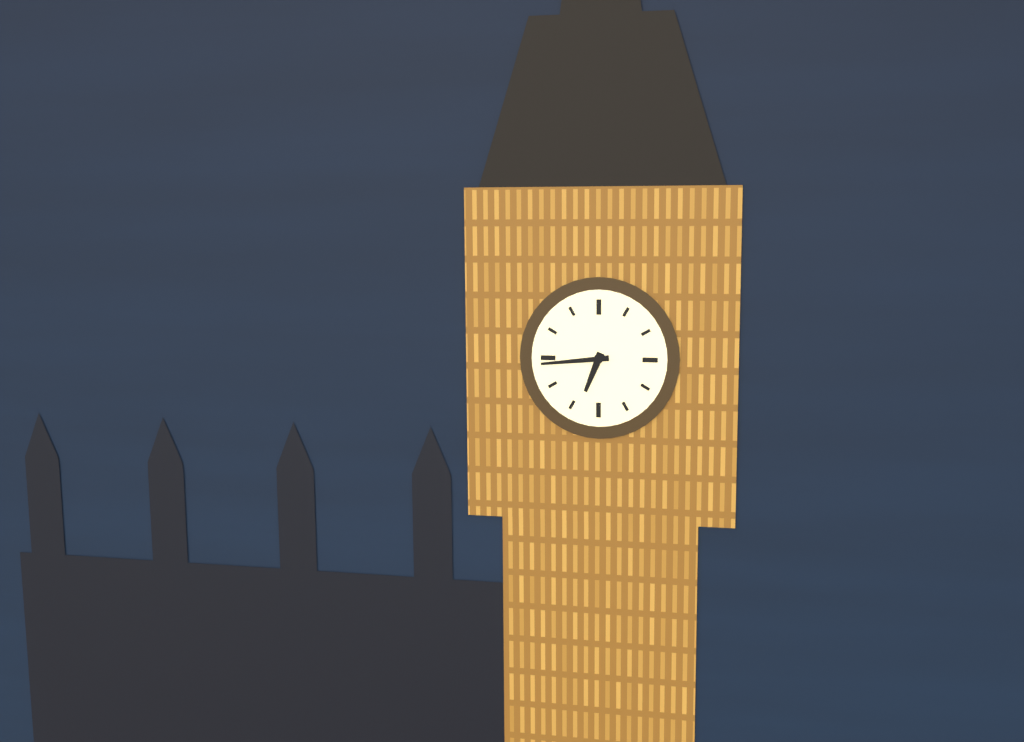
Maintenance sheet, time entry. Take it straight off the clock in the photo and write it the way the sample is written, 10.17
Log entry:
6.44
